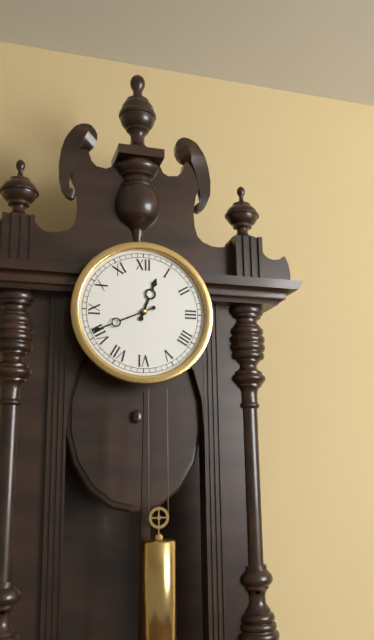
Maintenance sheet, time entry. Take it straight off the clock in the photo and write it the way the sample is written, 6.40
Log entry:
12.41
